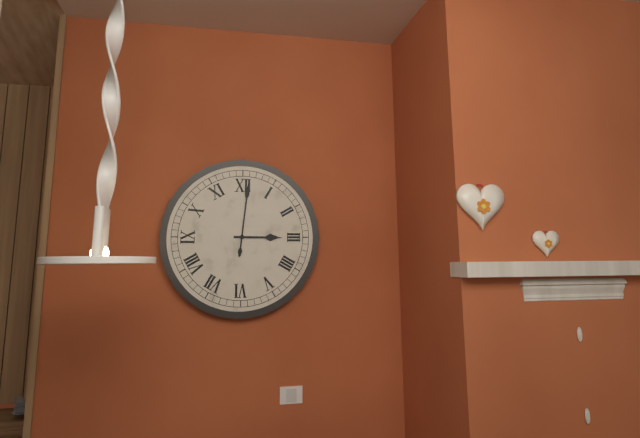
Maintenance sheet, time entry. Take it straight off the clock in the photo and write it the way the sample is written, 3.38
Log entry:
3.01
